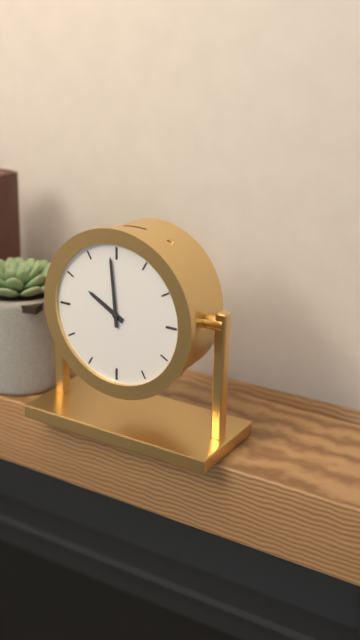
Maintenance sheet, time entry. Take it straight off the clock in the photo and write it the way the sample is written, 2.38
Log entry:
9.59
